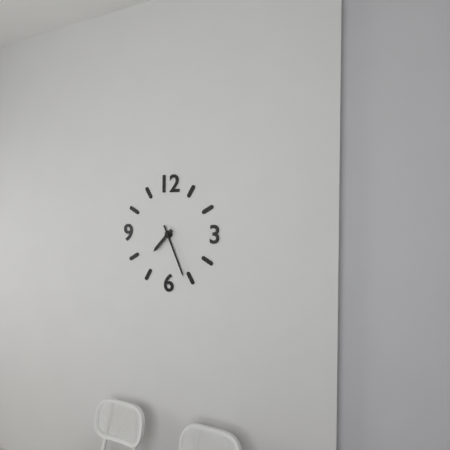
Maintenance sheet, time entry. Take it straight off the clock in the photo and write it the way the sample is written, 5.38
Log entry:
7.26
